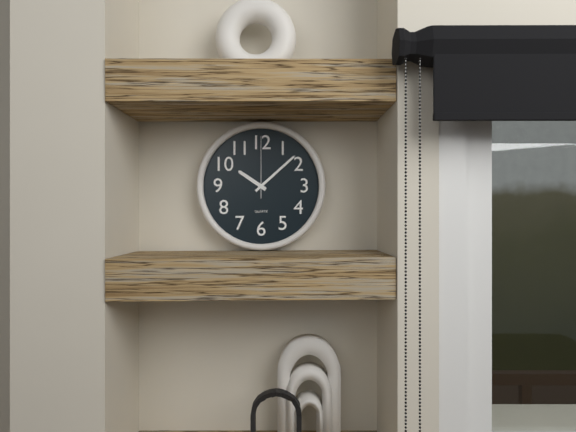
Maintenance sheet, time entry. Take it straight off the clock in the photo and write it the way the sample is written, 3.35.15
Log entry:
10.08.00
